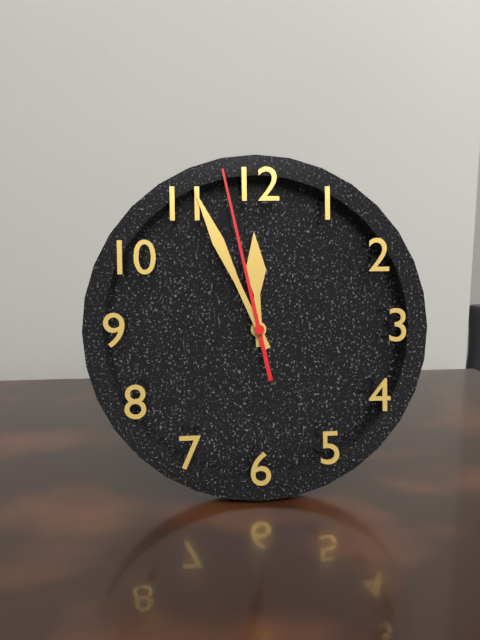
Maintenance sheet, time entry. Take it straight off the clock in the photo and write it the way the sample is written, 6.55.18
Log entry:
11.56.58
